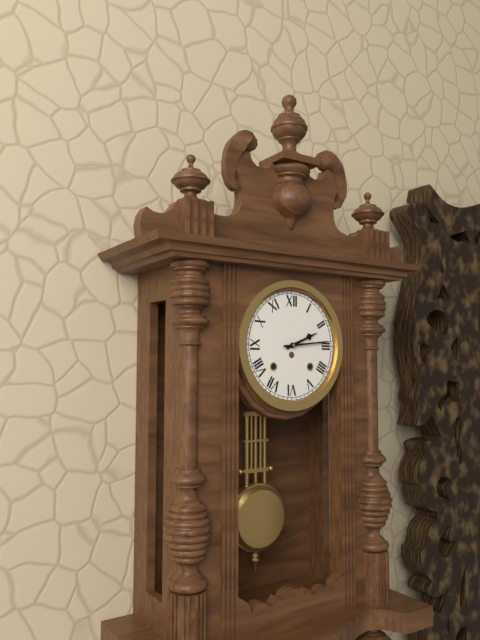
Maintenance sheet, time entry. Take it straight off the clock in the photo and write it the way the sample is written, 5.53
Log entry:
2.14
